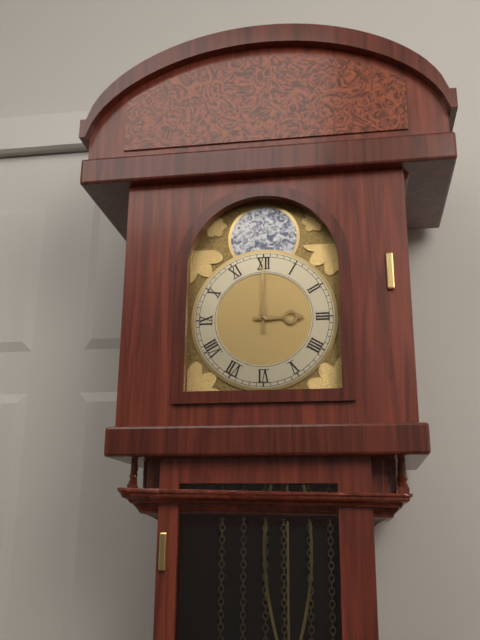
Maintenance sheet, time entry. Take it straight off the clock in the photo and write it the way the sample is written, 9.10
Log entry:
3.00
